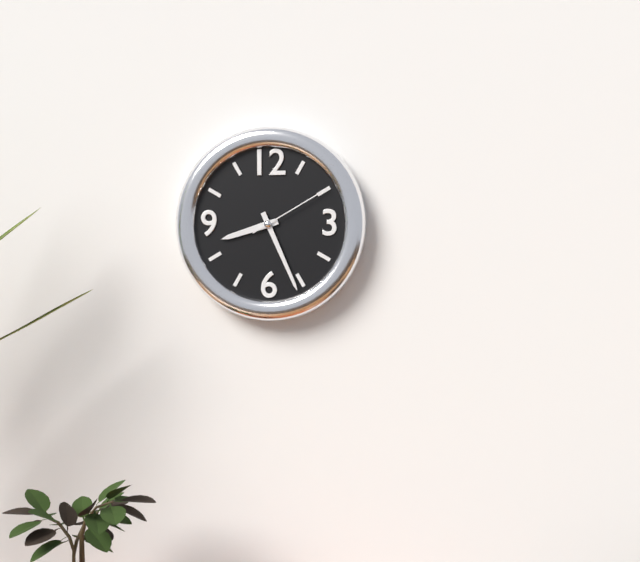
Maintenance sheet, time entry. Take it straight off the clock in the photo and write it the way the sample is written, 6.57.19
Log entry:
8.26.10
